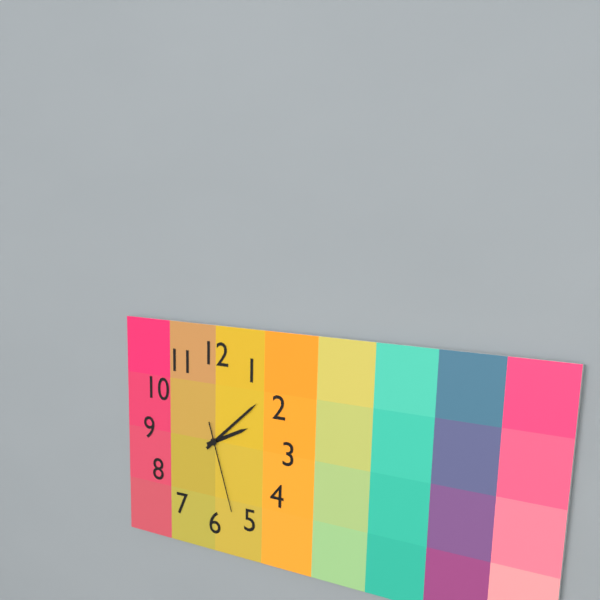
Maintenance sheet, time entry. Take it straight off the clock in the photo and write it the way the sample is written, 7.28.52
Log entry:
2.08.27
